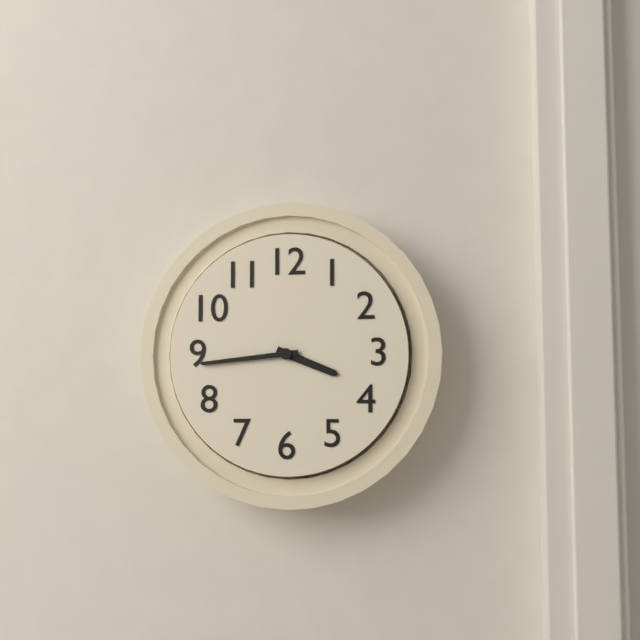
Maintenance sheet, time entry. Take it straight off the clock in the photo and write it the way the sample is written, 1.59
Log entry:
3.44
